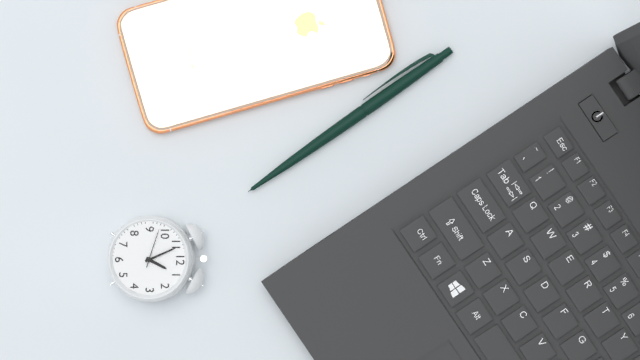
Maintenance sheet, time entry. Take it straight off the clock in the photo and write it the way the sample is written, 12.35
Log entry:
12.56
